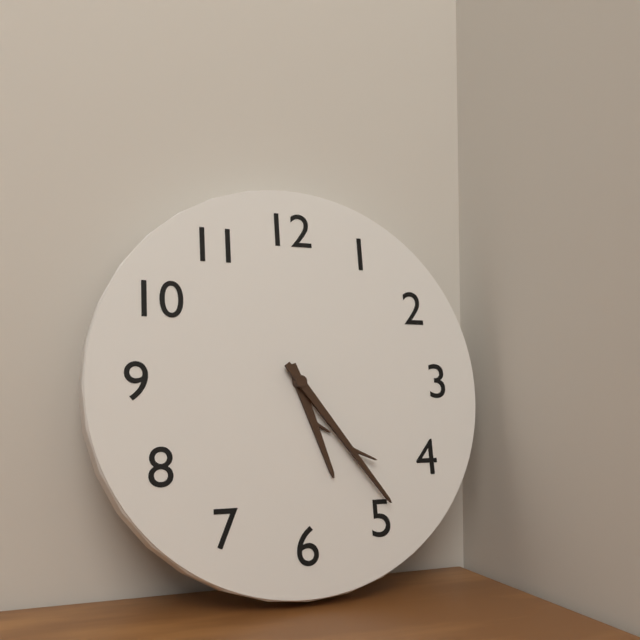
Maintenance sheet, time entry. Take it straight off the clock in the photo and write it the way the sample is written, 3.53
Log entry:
5.24
